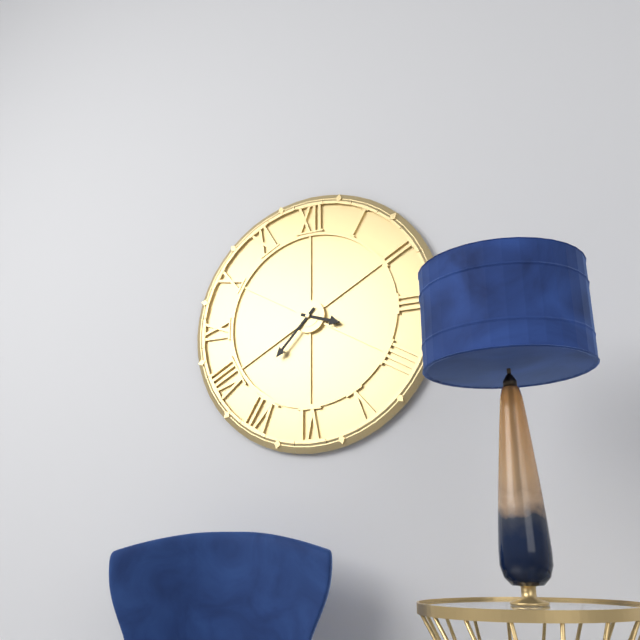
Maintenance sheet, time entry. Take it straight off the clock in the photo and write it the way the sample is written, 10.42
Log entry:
3.37
